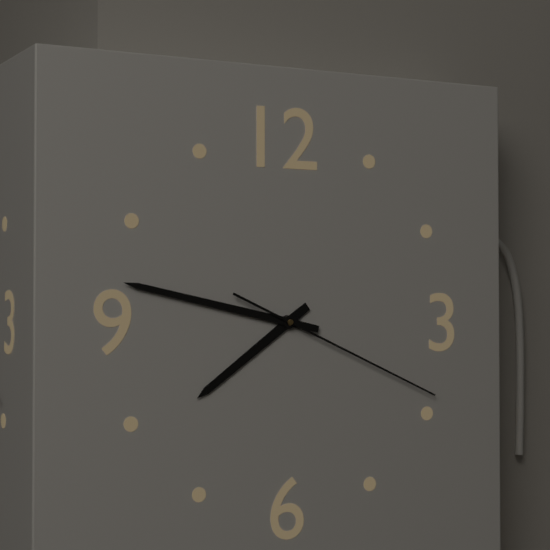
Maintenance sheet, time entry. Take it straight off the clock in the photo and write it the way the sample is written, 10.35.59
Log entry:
7.47.19
